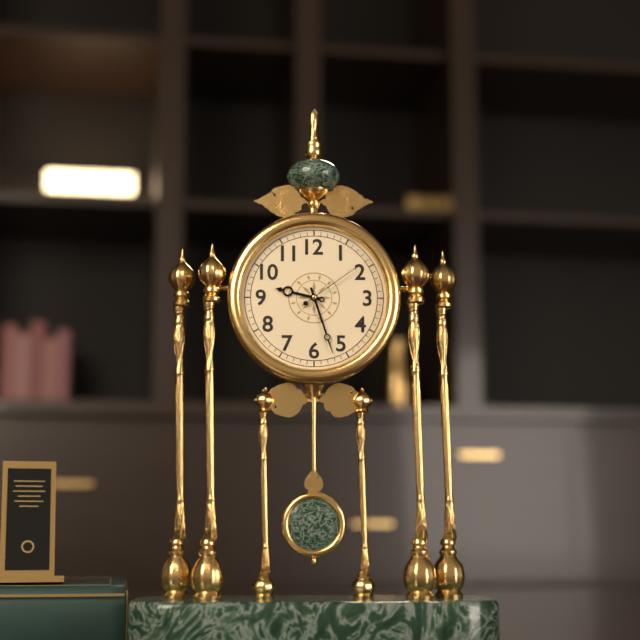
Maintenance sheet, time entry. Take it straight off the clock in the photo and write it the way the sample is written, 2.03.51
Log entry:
9.27.09
